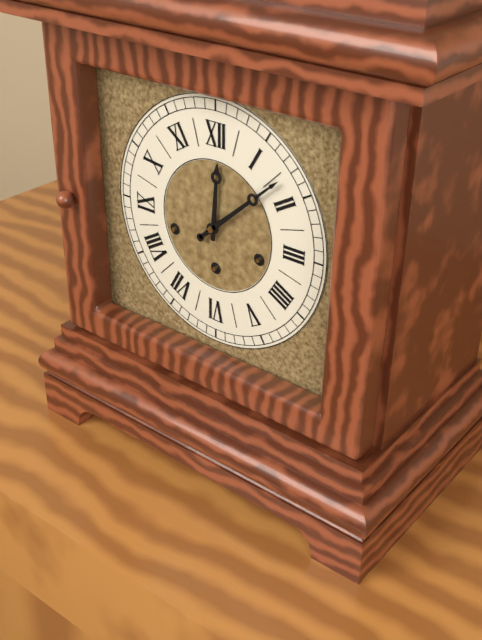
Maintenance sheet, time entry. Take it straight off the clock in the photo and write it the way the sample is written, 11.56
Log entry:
12.08
